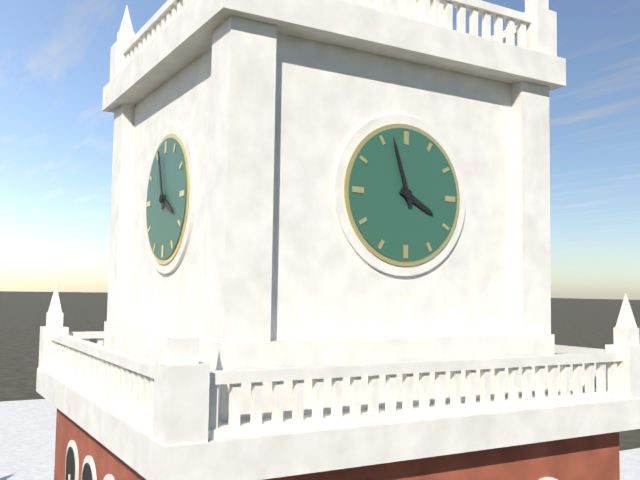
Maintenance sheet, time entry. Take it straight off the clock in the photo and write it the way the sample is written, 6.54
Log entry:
3.57
